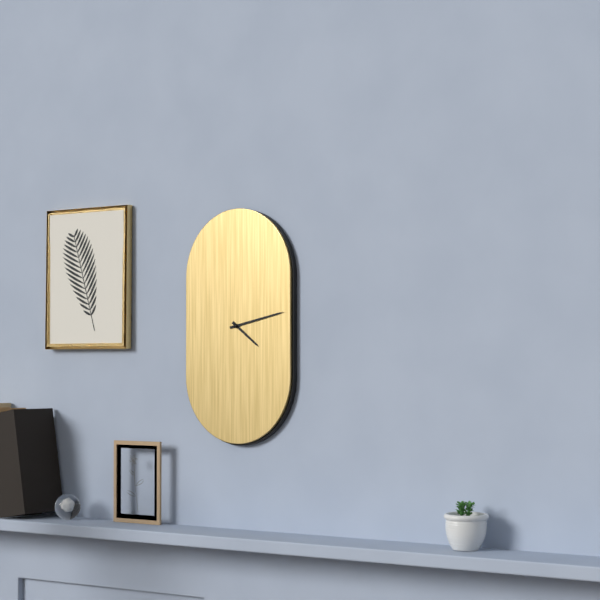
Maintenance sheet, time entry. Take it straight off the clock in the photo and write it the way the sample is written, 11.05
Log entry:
4.13
